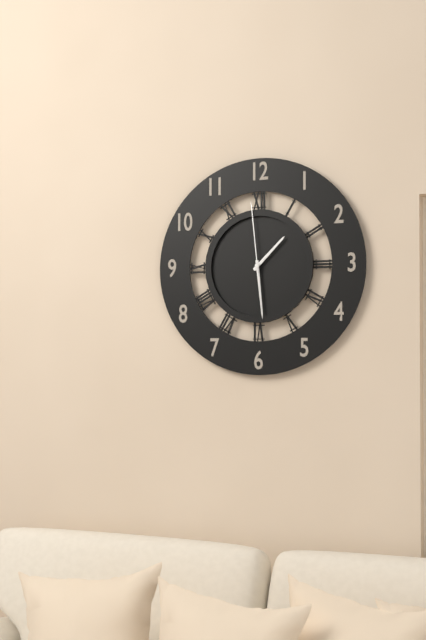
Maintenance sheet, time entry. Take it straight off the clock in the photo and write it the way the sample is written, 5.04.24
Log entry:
1.29.59
